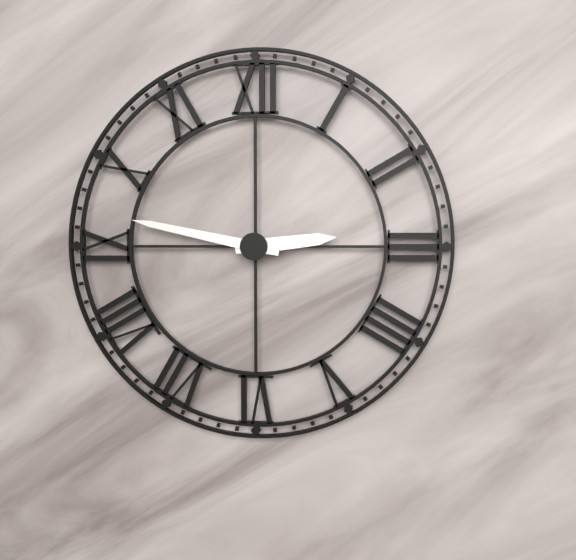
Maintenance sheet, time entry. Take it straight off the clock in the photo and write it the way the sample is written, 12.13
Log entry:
2.47
